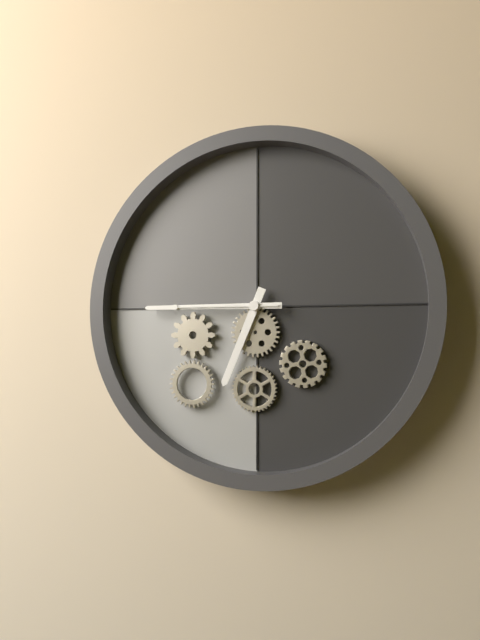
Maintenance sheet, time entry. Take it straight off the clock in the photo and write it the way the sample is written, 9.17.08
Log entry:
6.45.45
